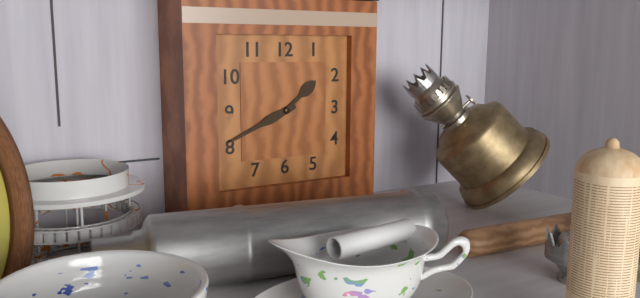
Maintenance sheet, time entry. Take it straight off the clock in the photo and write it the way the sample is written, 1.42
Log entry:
1.41
